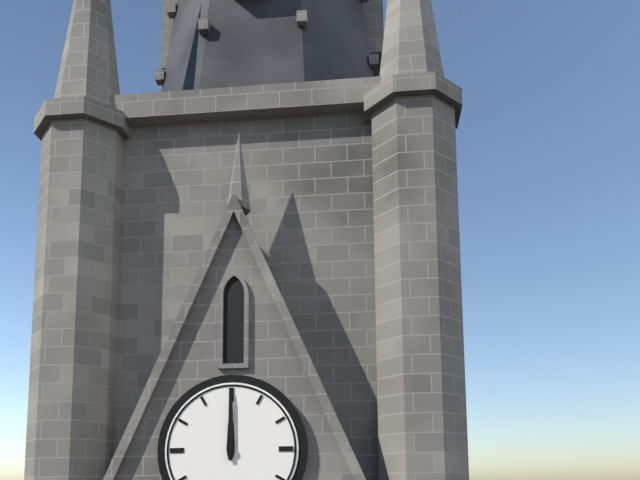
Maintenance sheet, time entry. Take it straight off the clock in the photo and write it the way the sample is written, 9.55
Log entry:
12.00
